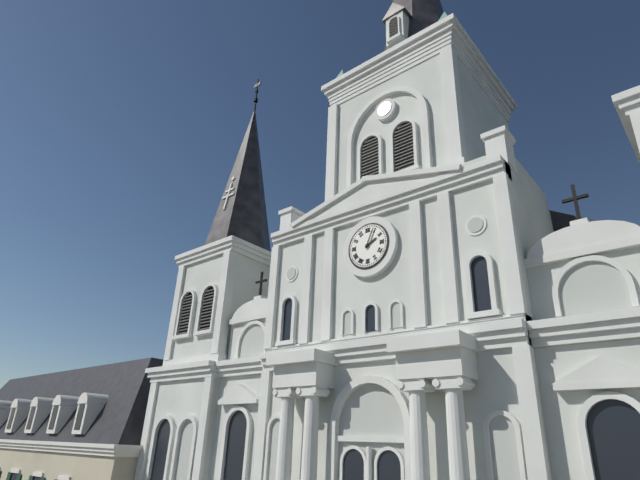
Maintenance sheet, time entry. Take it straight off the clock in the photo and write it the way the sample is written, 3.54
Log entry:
2.04
